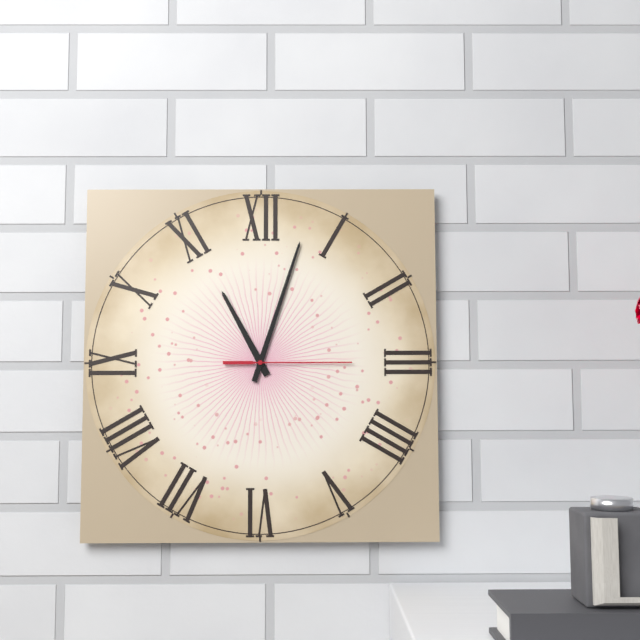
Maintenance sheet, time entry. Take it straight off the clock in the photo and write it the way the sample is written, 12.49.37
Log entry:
11.03.15
